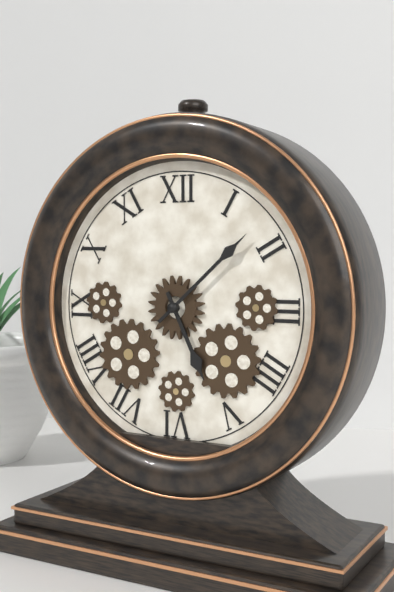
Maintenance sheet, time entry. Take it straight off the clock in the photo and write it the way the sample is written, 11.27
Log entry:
5.08
